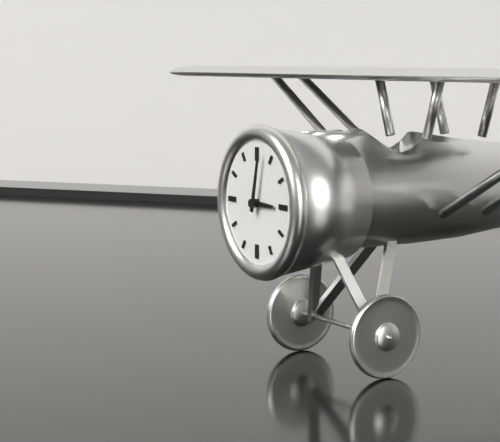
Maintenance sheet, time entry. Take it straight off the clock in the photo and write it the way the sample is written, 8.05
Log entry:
3.02
